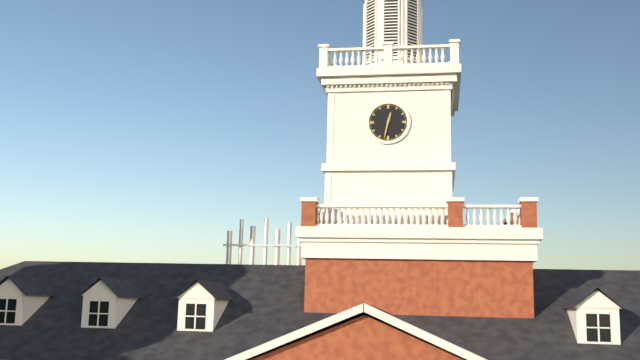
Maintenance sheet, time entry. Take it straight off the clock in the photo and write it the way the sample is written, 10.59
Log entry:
12.32
